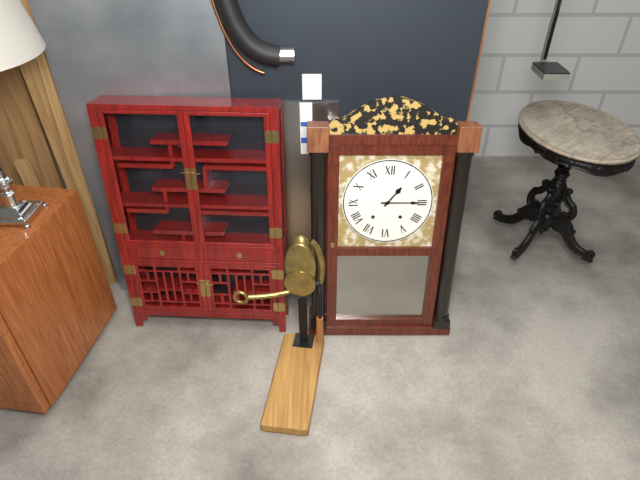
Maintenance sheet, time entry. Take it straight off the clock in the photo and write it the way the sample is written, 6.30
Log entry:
1.15
